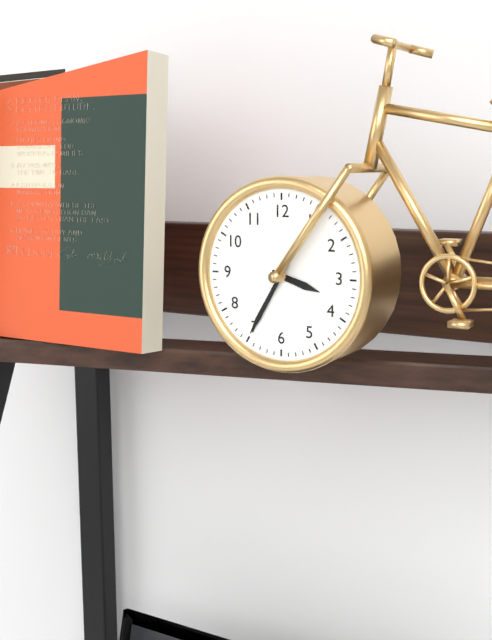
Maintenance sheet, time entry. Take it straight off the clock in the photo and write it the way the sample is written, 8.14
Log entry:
3.35
